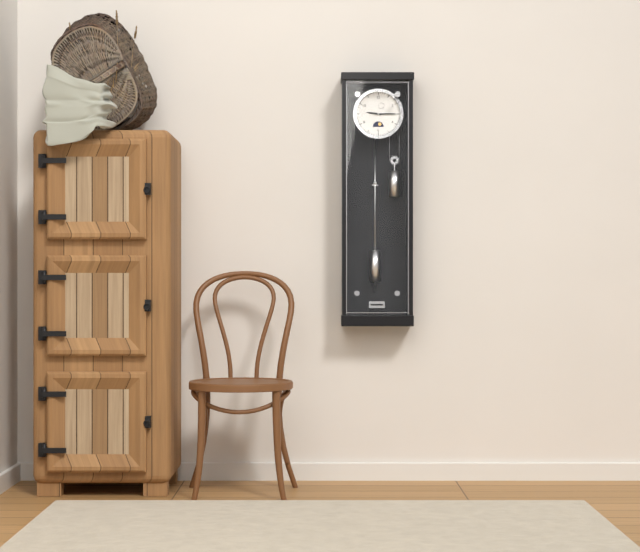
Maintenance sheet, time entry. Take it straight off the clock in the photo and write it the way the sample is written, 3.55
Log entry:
9.15
